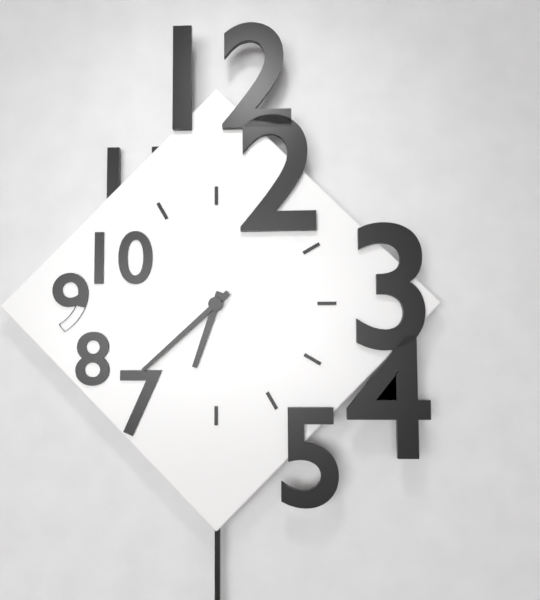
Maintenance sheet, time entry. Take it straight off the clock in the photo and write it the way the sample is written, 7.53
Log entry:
6.38
